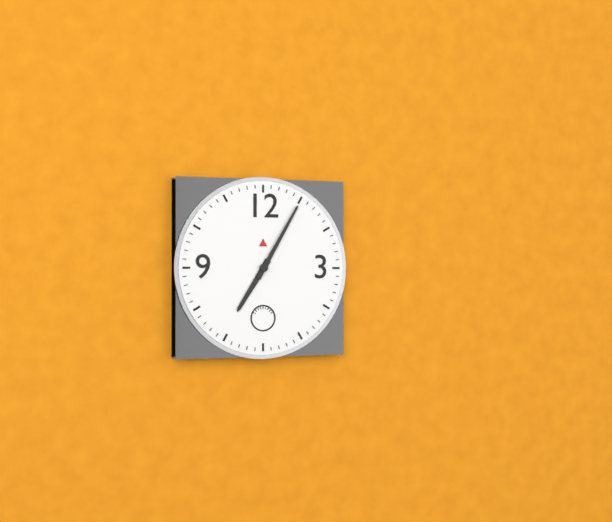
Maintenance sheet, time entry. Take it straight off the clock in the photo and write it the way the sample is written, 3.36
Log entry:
7.05
